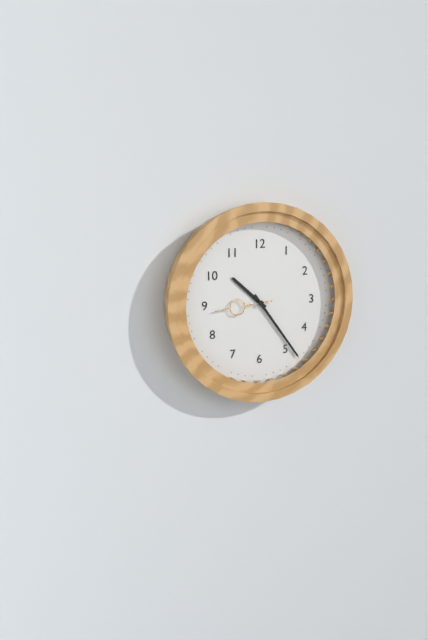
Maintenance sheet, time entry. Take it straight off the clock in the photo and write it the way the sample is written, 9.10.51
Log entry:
10.24.44
